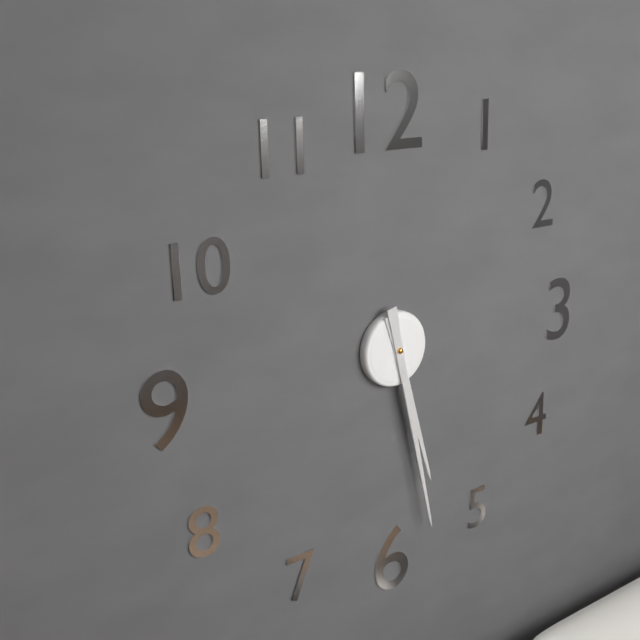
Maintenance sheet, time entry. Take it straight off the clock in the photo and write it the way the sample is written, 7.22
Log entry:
5.28
